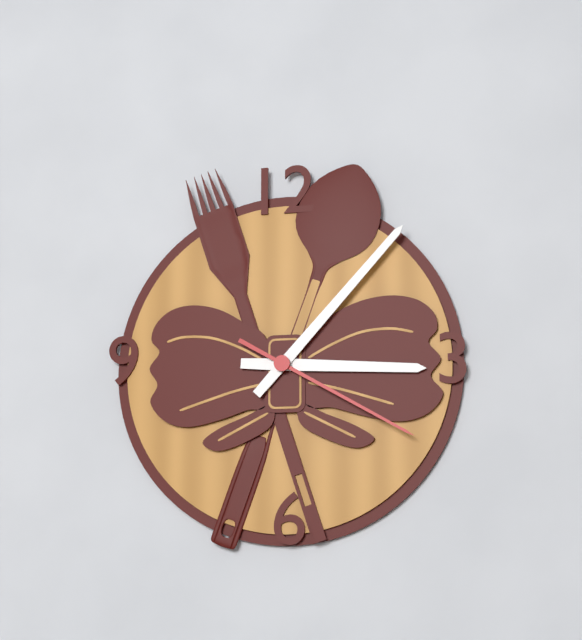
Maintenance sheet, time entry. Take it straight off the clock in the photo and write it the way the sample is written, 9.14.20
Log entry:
3.07.20
